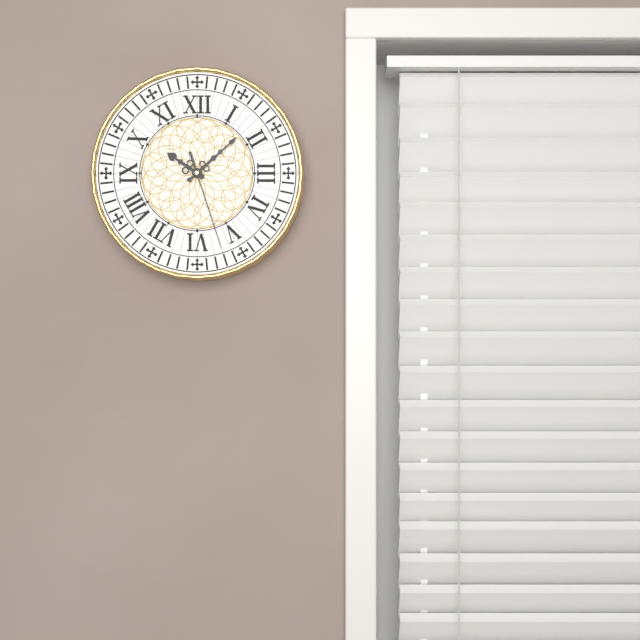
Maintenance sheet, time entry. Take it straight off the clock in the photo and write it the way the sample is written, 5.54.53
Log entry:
10.08.27
